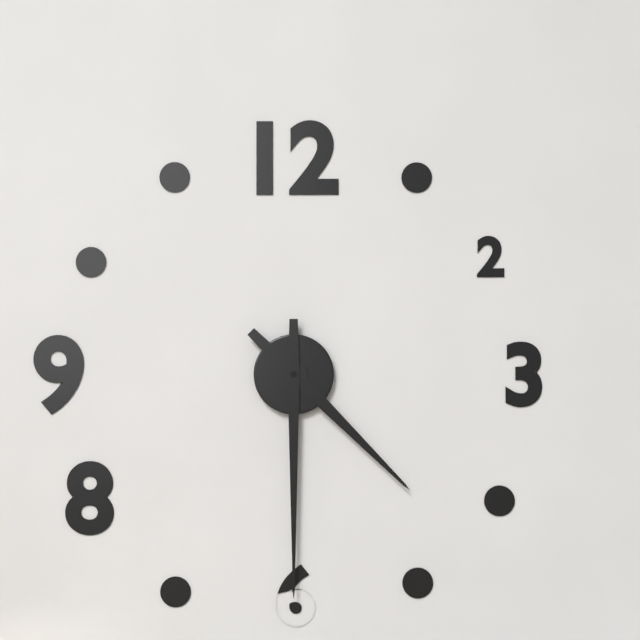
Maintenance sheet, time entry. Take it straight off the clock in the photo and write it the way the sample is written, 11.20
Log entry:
4.30
